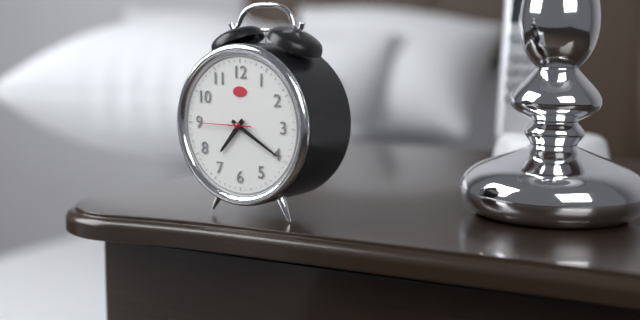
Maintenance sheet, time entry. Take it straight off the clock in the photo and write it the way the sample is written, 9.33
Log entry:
7.20
